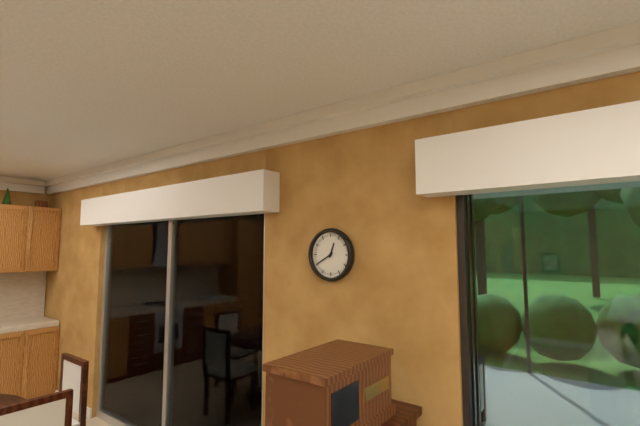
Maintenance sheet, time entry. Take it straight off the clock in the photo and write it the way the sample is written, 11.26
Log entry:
12.40
